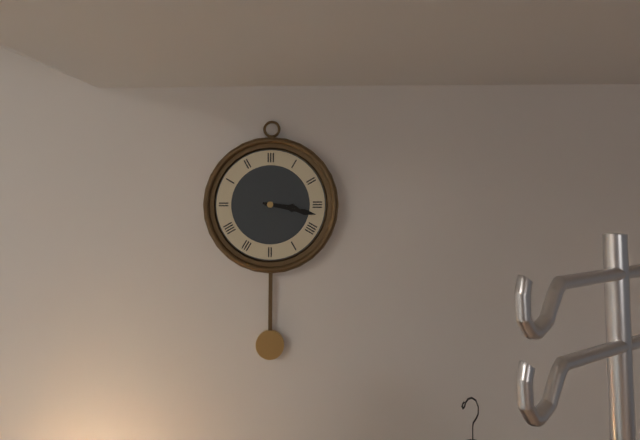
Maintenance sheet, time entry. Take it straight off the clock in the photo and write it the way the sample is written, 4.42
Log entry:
3.17
